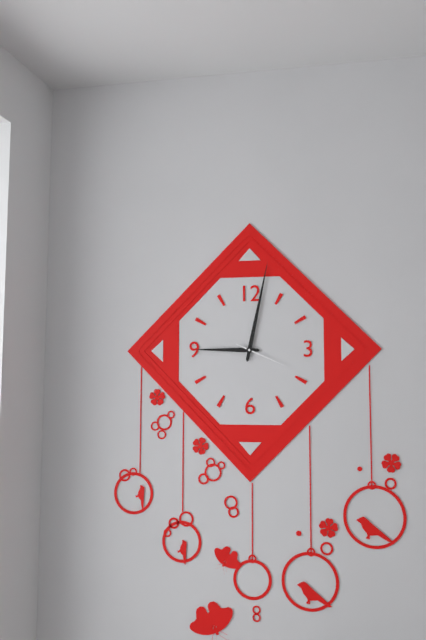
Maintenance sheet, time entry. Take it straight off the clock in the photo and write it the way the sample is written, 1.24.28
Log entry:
9.02.19
